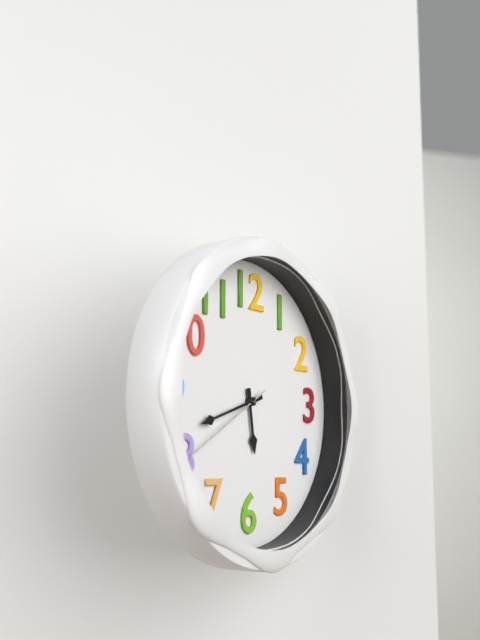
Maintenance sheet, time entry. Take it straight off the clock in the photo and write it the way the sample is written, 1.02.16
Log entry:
5.42.40
